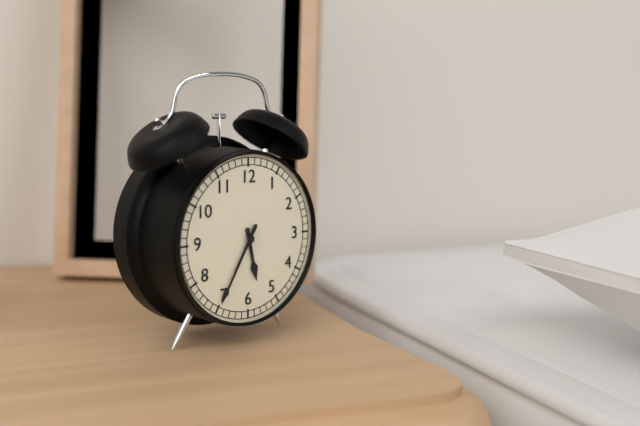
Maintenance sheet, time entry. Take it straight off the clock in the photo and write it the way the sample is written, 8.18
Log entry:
5.35
